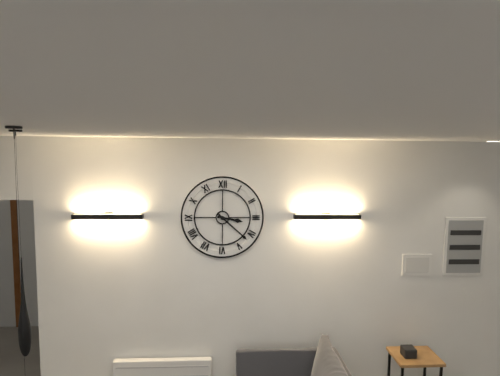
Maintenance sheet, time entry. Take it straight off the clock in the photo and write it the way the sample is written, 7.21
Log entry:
3.22
